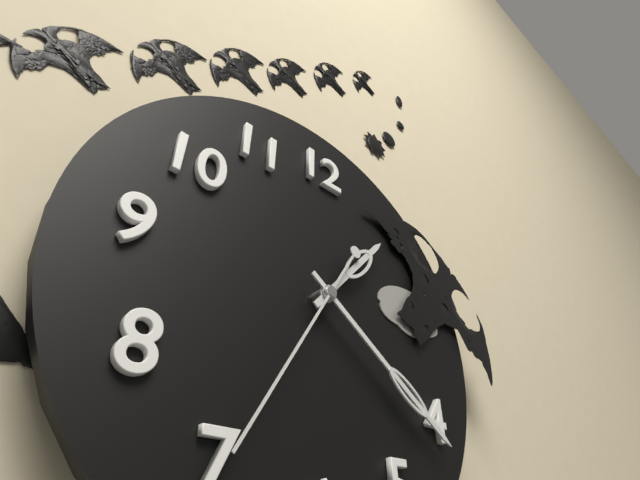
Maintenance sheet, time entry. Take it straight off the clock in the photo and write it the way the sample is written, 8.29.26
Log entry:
1.21.35
